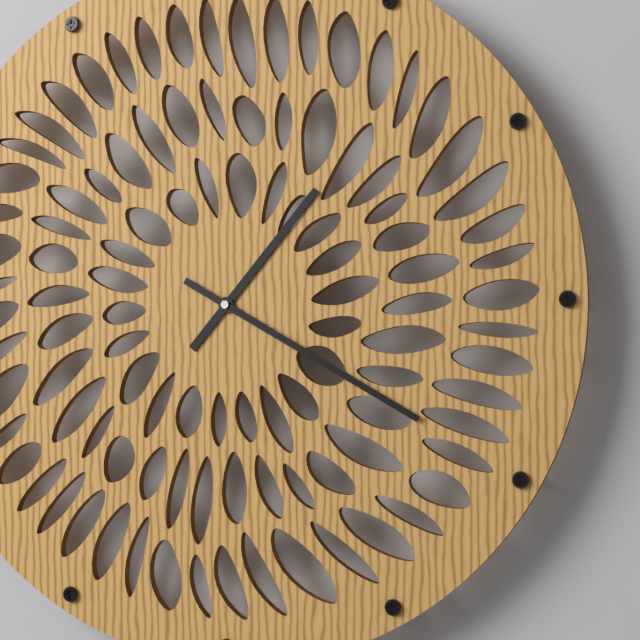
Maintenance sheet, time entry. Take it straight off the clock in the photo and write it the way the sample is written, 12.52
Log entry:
1.20
